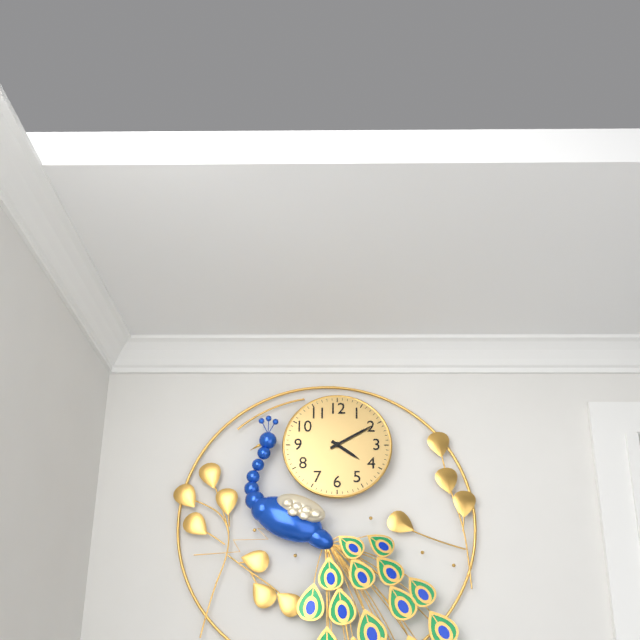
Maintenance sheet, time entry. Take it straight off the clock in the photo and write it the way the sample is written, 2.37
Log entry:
4.10
